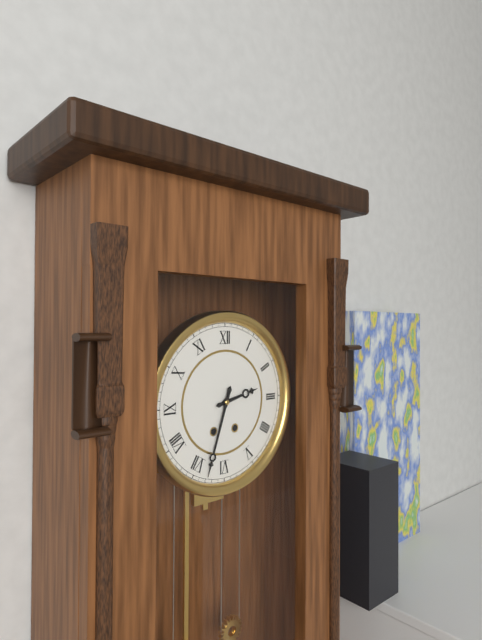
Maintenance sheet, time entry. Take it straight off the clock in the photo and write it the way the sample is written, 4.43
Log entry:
2.33
